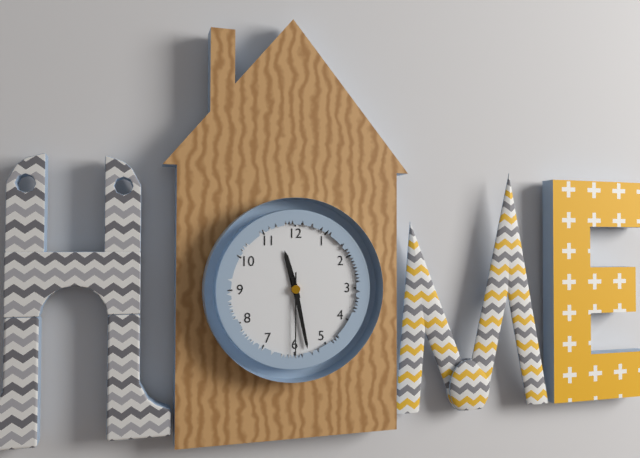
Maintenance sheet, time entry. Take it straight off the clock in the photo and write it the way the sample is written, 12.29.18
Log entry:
11.28.30
